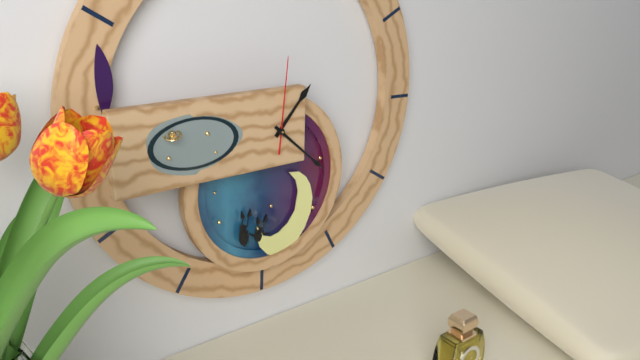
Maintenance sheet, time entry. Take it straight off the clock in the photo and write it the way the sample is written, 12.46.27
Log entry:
1.22.01
